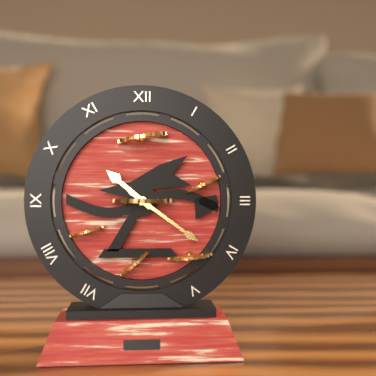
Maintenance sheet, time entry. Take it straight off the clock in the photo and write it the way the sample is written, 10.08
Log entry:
10.21
